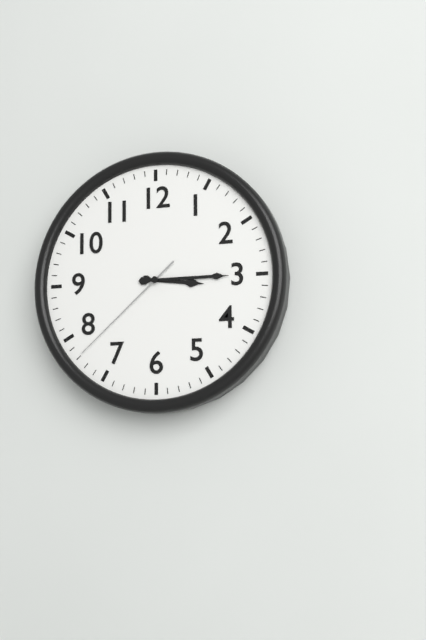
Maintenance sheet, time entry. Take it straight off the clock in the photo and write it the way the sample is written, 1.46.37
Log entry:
3.15.38
